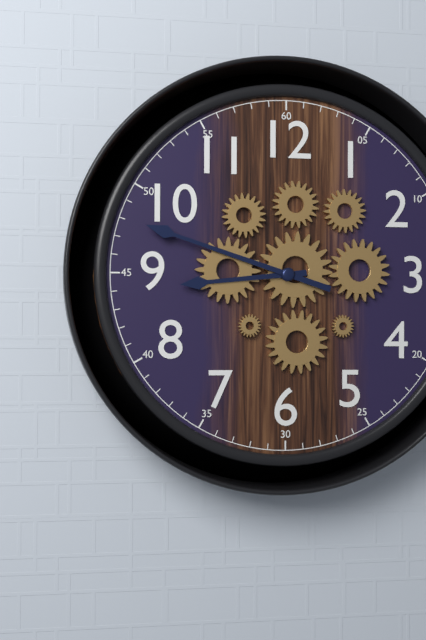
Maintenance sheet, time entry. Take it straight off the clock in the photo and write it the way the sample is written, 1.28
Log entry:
8.48
